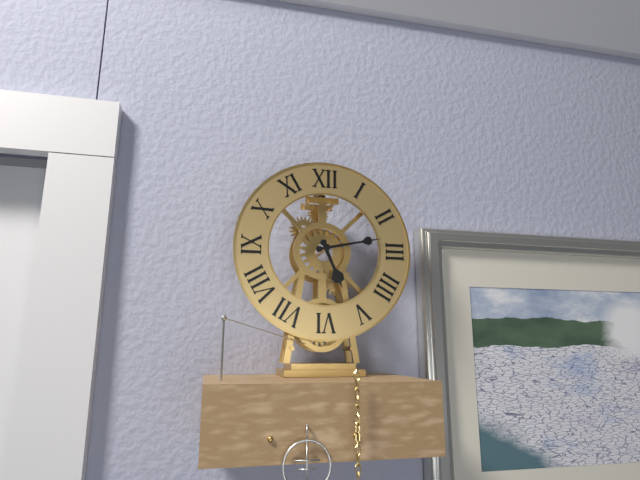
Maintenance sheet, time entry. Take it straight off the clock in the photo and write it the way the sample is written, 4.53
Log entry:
5.13
